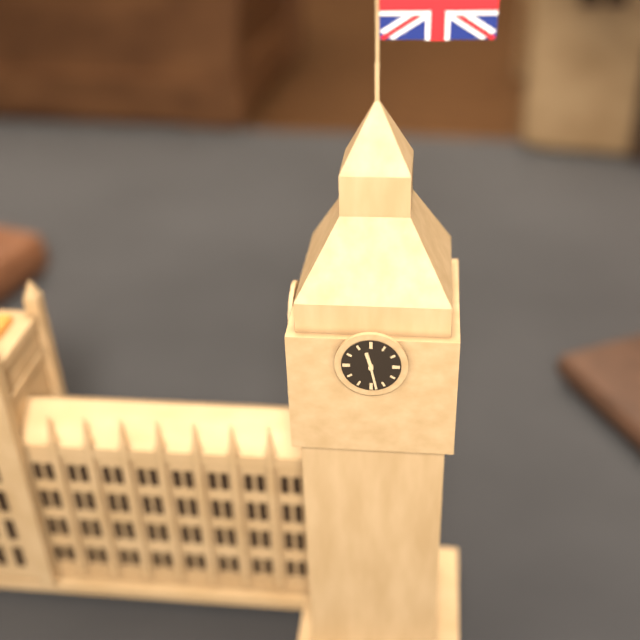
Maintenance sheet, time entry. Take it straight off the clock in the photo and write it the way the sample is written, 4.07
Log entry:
11.28
